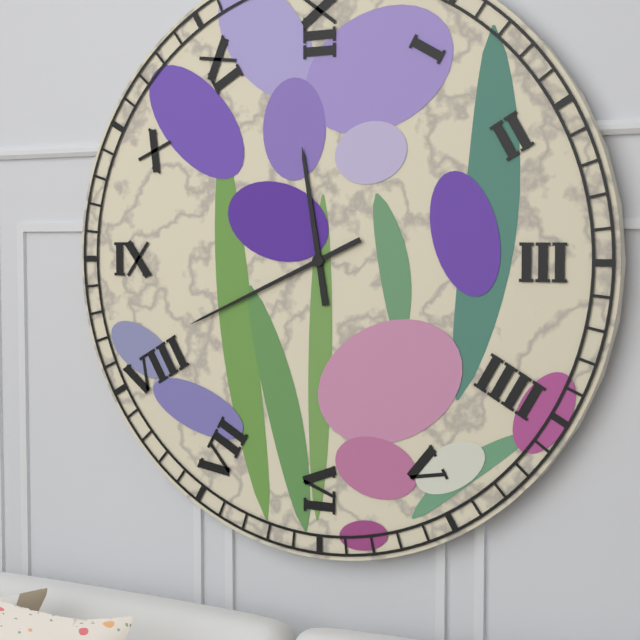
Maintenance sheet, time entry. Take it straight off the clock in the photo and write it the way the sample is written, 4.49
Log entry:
11.41
